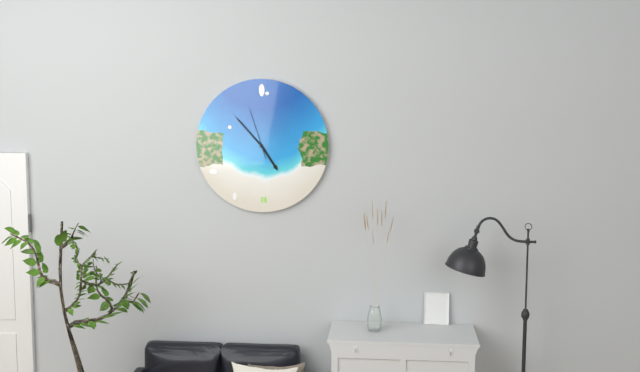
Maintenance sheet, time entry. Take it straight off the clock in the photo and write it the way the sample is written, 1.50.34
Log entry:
4.53.57
